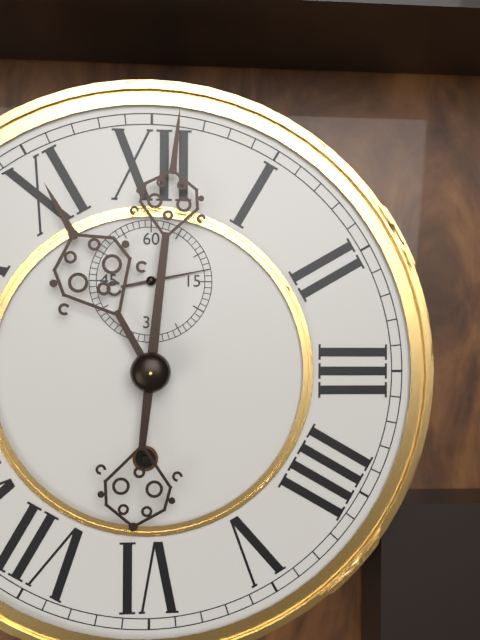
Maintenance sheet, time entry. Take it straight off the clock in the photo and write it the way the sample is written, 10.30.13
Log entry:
11.01.13
